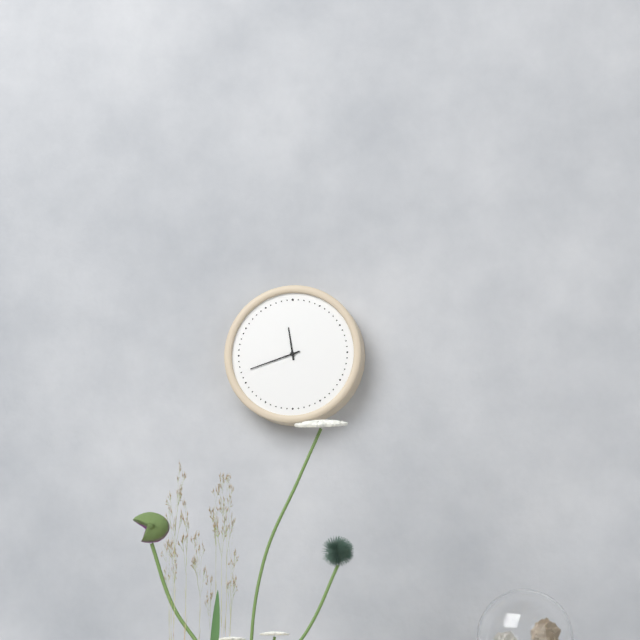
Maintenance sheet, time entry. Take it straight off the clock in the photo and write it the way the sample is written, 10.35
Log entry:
11.42
